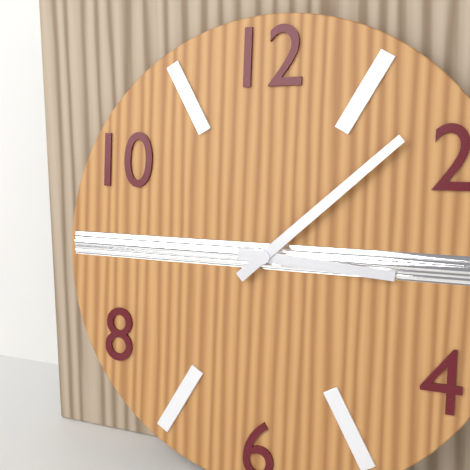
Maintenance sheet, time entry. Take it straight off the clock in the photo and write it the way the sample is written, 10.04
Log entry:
3.08
